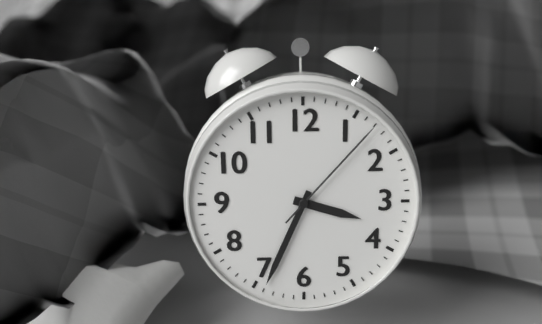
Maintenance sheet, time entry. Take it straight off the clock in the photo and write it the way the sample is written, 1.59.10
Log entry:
3.34.07
